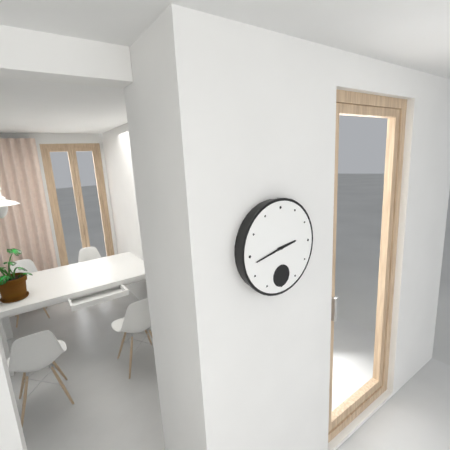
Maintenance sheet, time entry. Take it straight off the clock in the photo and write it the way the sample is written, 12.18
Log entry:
2.43
